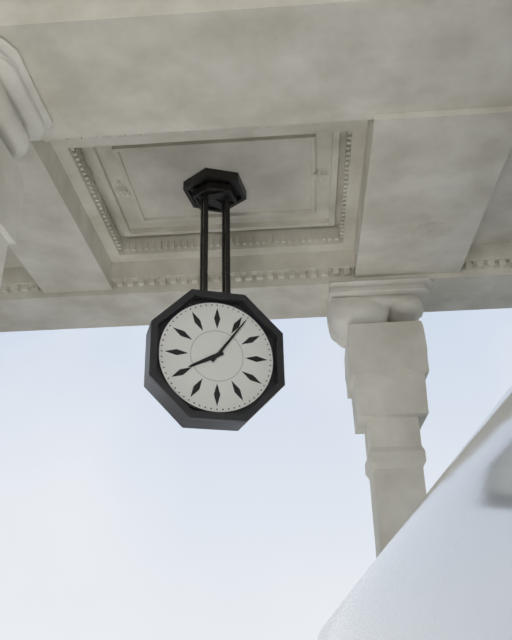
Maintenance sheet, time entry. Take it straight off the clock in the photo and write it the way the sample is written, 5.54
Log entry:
8.06
